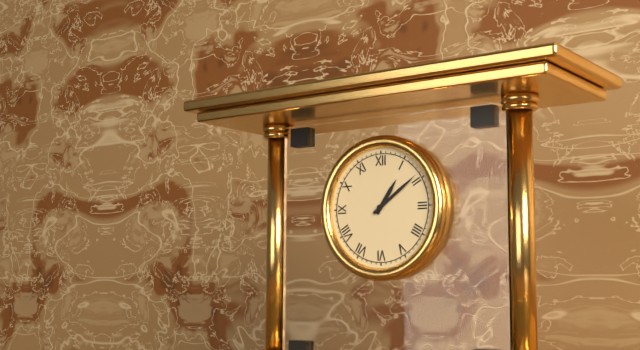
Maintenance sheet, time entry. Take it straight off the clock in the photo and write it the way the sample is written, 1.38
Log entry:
1.09
